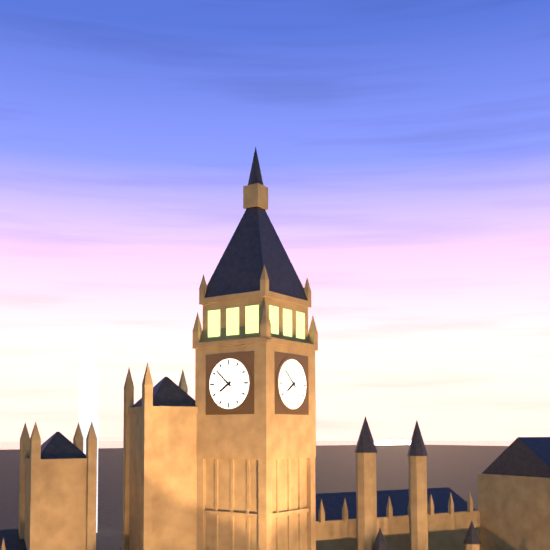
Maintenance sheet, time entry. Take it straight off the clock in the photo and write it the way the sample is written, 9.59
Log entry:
7.52
